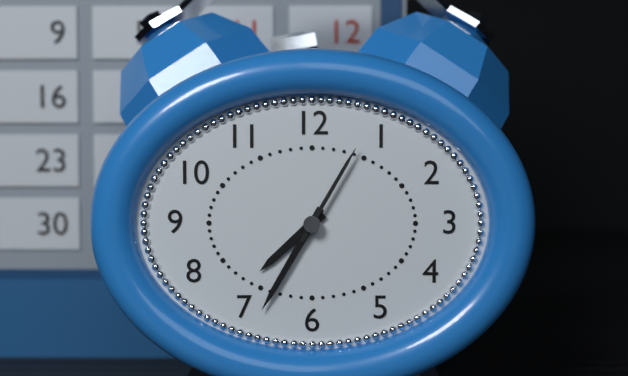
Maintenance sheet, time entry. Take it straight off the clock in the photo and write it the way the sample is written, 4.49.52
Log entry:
7.35.05
